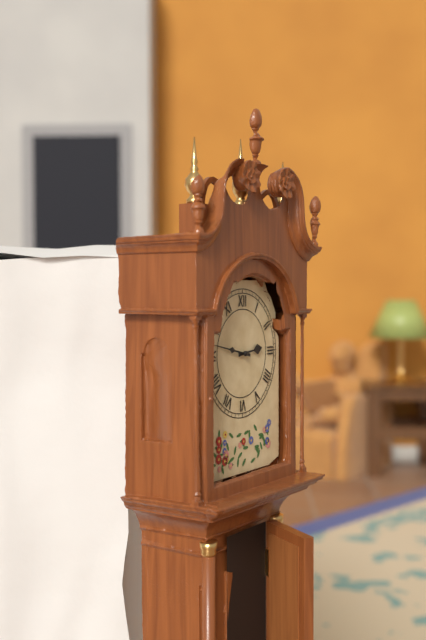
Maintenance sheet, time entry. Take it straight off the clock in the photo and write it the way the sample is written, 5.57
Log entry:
2.47
